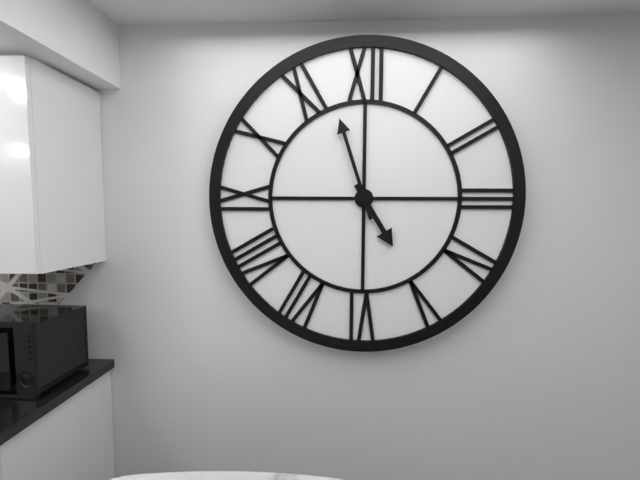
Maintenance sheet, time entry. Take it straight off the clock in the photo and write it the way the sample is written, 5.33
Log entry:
4.57
